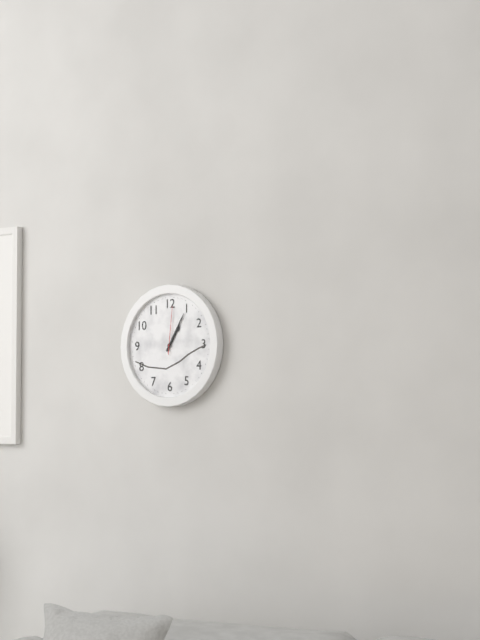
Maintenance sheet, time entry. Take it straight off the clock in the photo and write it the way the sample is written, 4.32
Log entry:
1.05
